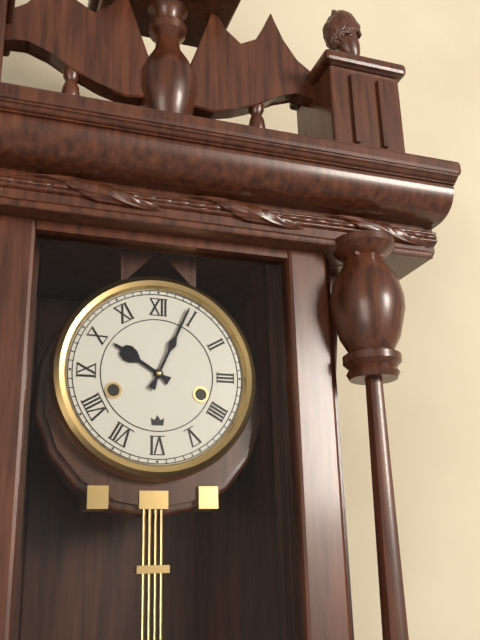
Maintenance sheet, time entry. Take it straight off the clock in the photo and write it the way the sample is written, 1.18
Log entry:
10.04
